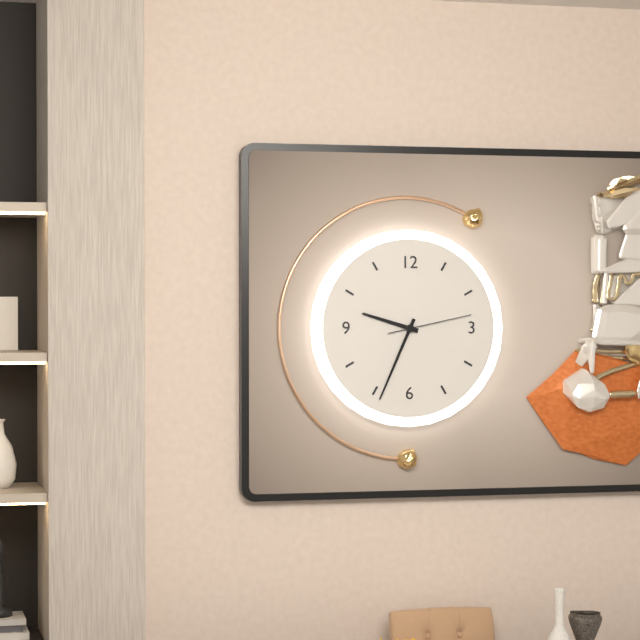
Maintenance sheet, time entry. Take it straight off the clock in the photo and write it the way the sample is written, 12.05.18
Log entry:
9.34.13
